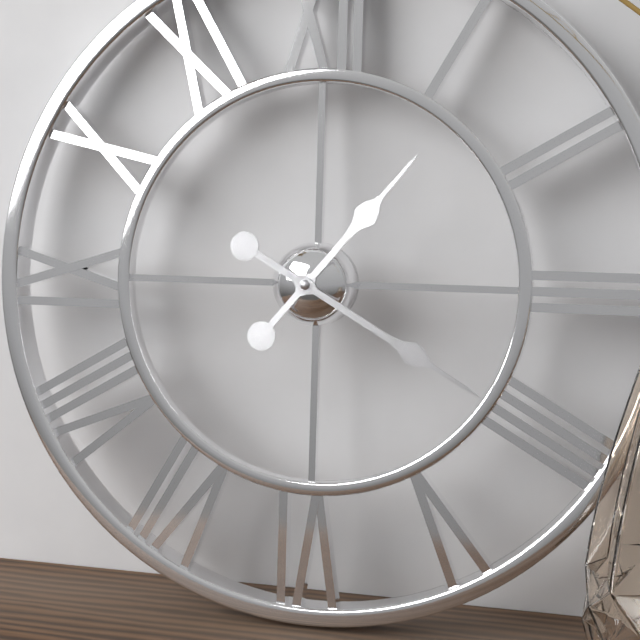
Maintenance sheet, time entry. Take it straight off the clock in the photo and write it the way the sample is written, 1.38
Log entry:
1.20
